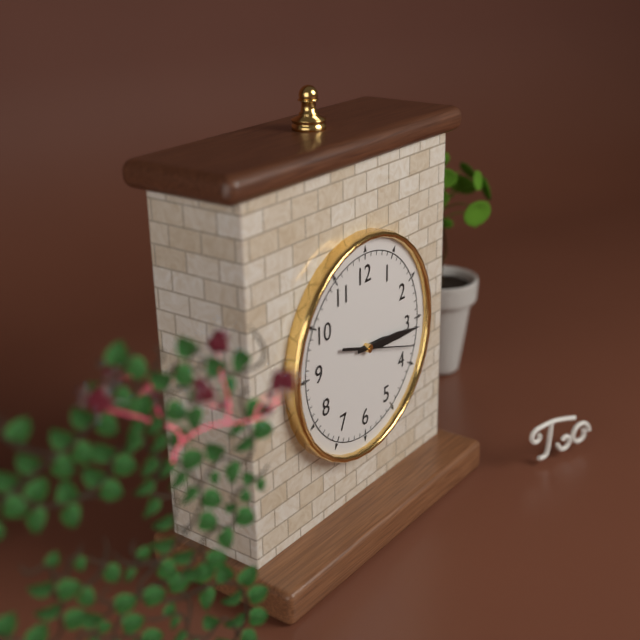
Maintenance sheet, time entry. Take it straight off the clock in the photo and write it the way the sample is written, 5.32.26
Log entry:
3.16.18
